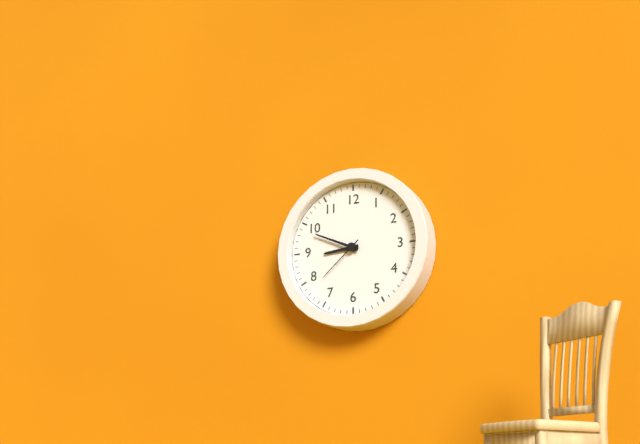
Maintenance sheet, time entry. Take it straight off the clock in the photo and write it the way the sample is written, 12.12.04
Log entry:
8.49.38
